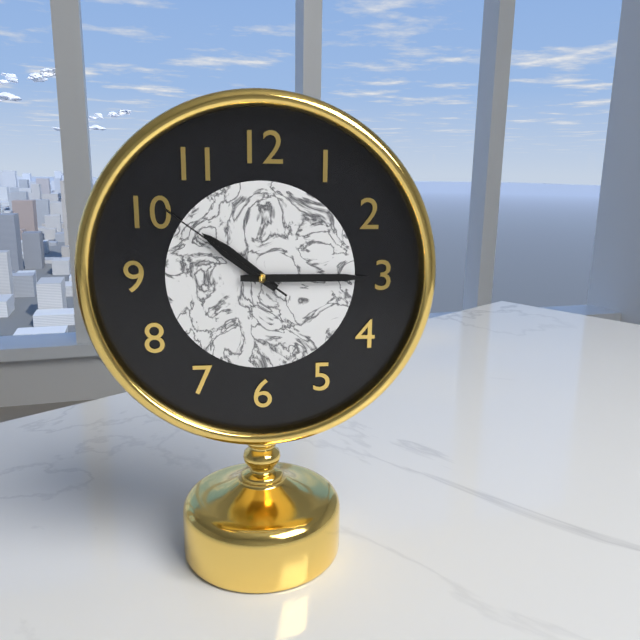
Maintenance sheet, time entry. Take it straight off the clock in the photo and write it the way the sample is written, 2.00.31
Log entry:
10.15.51
